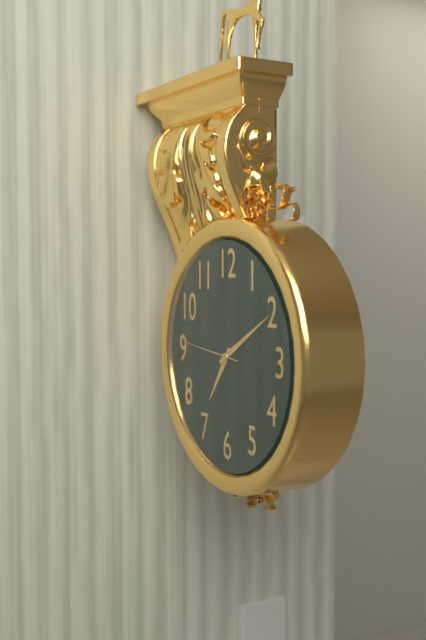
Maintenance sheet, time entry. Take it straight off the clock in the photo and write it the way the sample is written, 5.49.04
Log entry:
7.10.46
